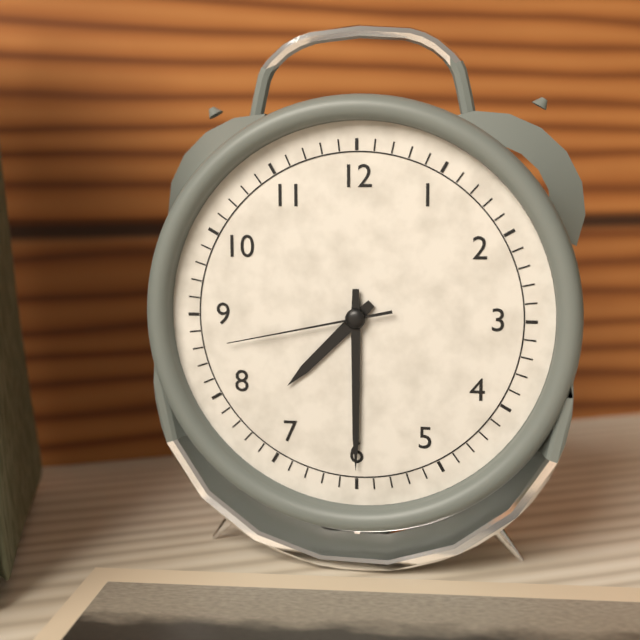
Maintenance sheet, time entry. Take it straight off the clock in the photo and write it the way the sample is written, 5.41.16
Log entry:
7.30.43
